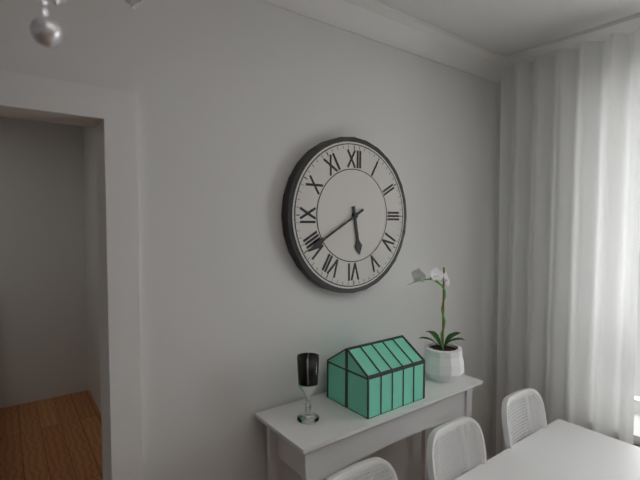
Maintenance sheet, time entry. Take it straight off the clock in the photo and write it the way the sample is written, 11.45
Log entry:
5.40
